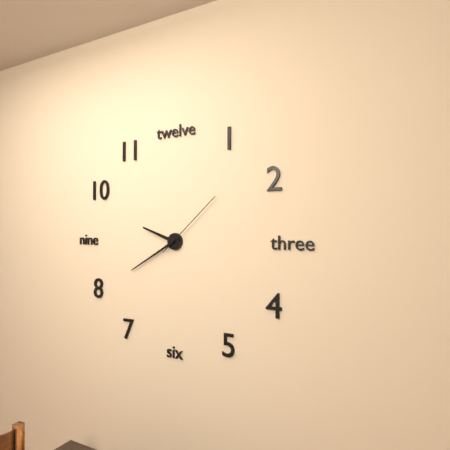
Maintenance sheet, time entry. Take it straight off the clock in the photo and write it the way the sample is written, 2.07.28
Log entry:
9.40.08
